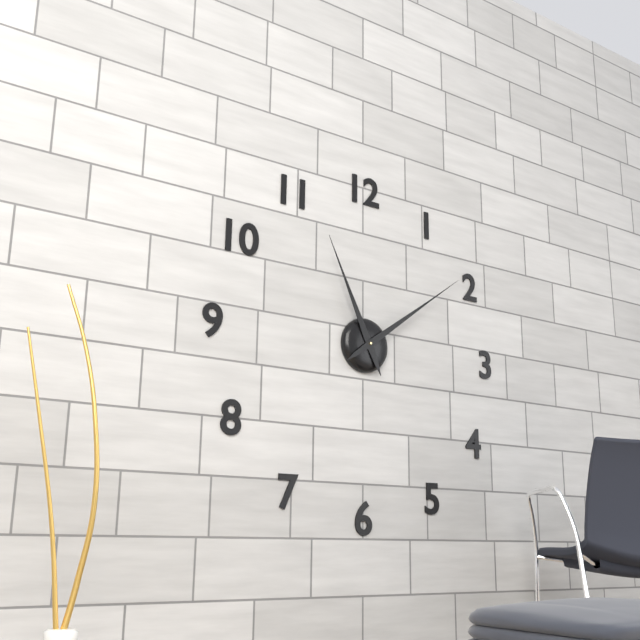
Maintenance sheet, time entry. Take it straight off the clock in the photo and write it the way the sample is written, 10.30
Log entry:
11.09
